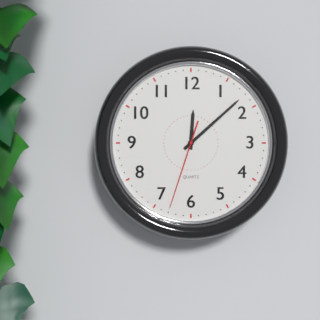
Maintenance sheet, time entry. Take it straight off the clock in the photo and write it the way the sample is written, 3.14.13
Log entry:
12.08.33
